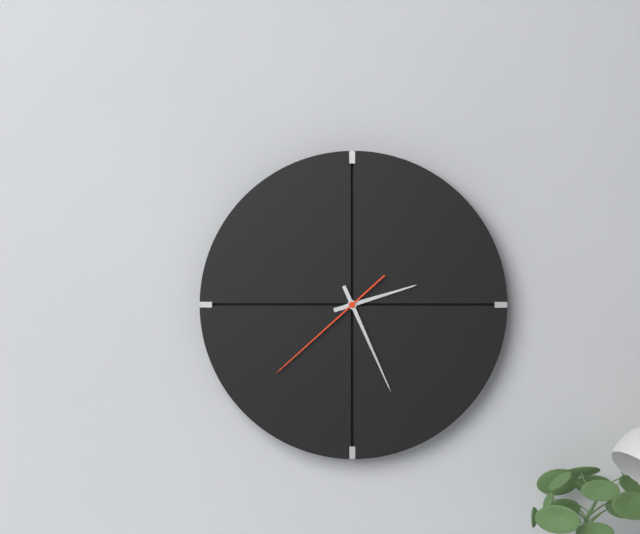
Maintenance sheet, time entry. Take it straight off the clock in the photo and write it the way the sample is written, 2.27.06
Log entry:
2.26.38
